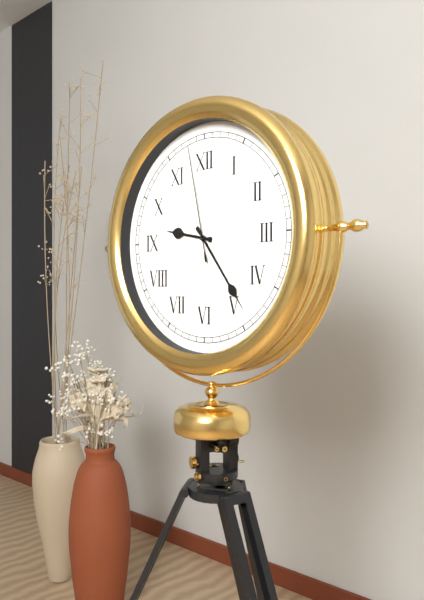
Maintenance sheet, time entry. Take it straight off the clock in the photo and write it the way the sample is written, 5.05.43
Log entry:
9.24.58
